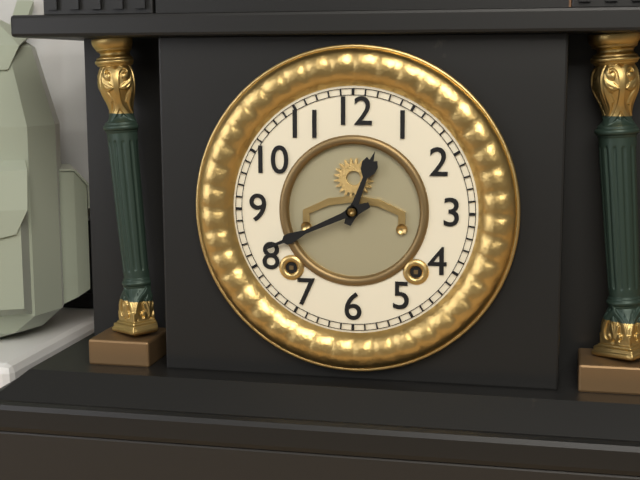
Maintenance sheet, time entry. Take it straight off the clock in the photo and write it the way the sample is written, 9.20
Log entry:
12.41
